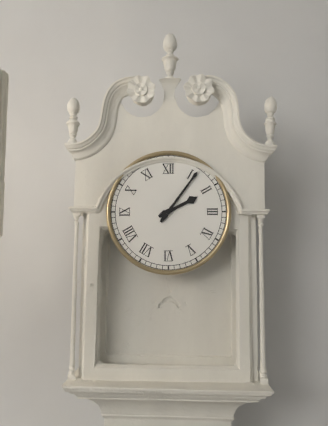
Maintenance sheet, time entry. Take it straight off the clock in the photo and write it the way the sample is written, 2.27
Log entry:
2.06
